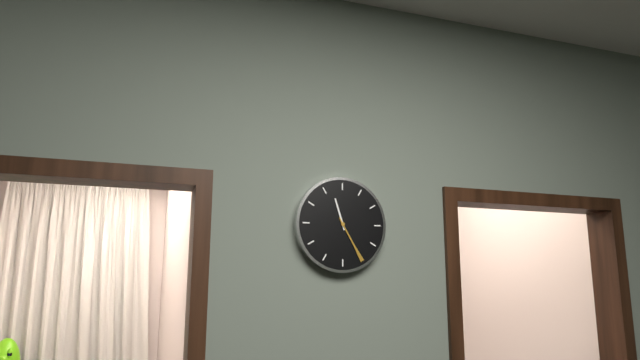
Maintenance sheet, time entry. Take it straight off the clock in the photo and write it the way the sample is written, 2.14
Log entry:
11.25
